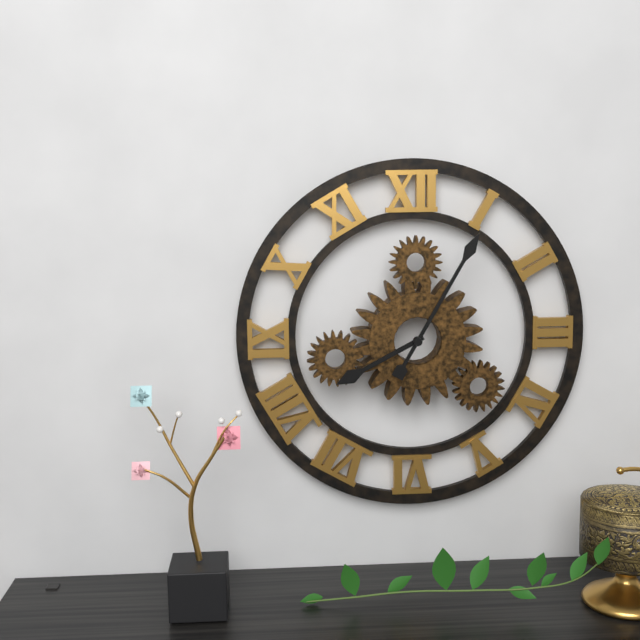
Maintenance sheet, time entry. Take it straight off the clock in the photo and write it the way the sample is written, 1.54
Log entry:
8.05
